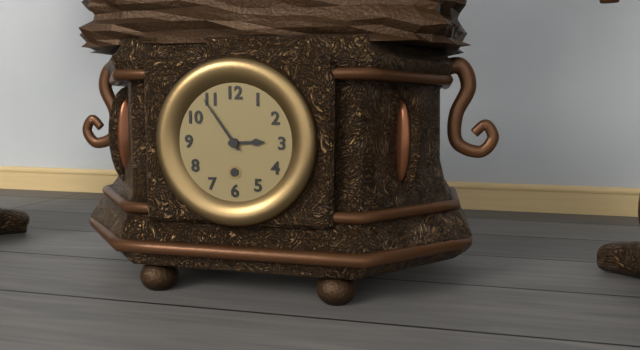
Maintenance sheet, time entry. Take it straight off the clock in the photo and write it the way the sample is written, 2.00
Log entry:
2.54
